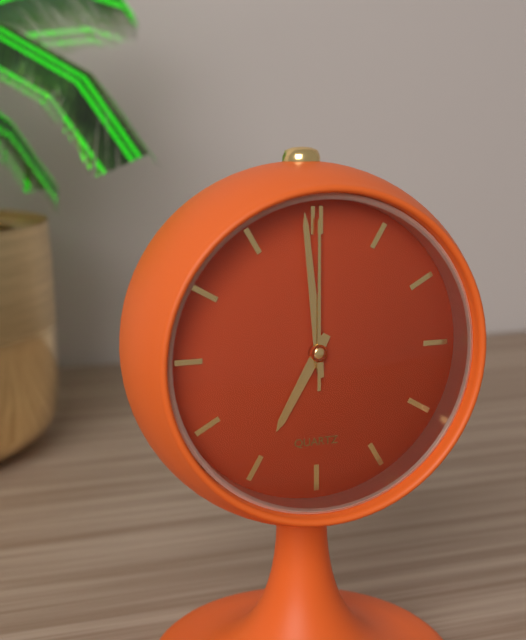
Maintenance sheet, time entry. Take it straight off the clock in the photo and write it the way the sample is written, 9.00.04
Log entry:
6.59.00
